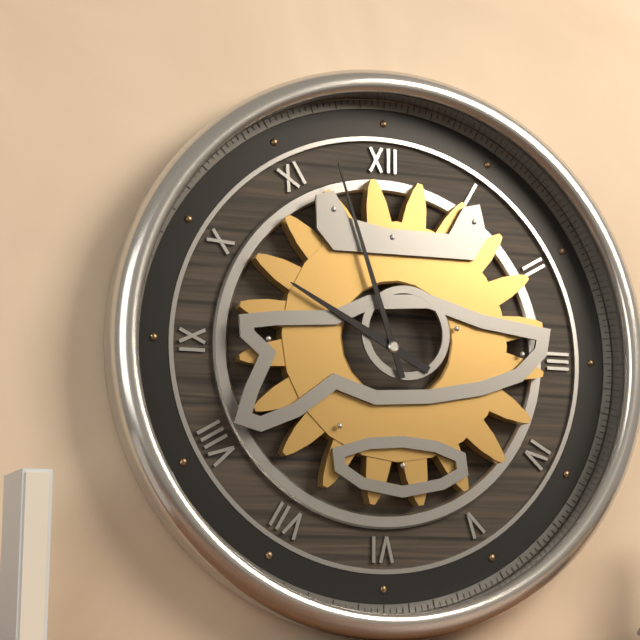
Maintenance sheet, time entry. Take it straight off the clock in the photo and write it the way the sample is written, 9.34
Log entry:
9.57
